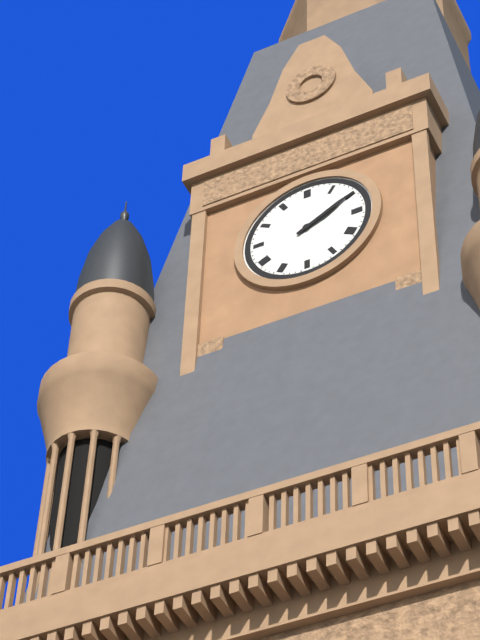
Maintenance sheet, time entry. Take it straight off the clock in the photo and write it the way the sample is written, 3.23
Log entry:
2.10
